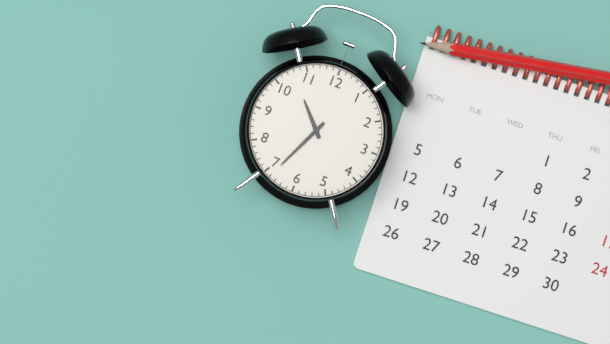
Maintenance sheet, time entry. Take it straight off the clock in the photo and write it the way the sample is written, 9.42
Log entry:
10.34
